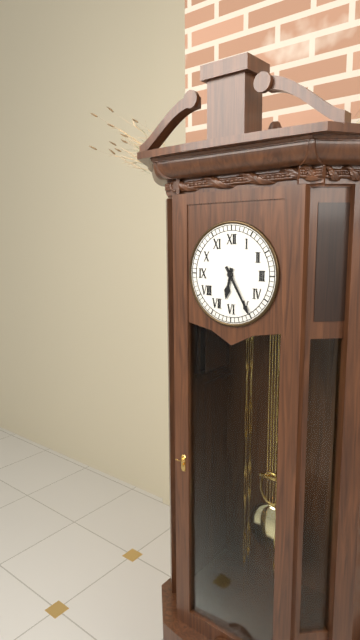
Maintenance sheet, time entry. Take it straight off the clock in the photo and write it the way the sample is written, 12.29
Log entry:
6.25
